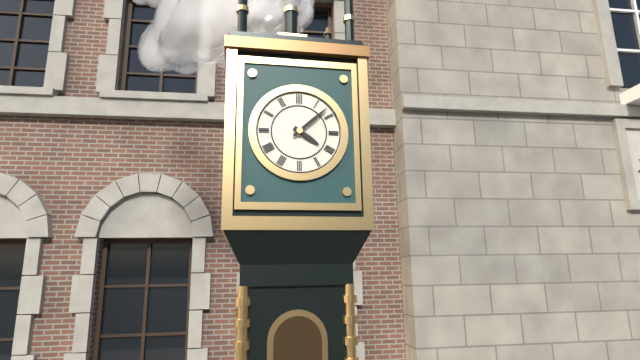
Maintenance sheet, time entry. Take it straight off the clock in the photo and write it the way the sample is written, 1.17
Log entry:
4.08
